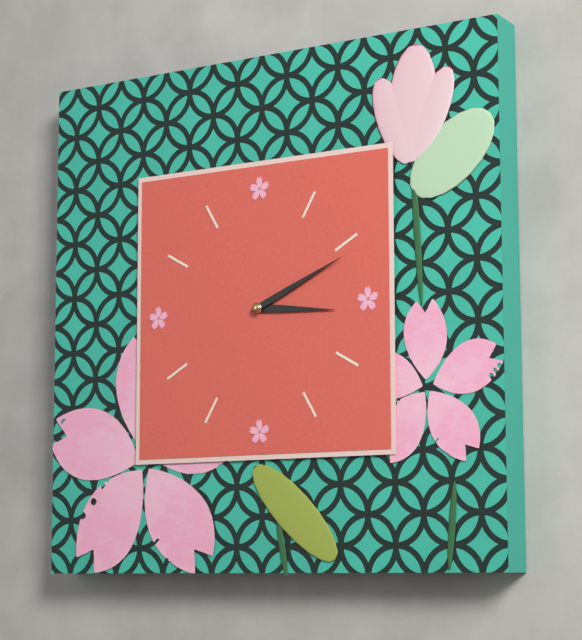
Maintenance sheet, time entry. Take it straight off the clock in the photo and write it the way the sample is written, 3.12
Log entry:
3.11
